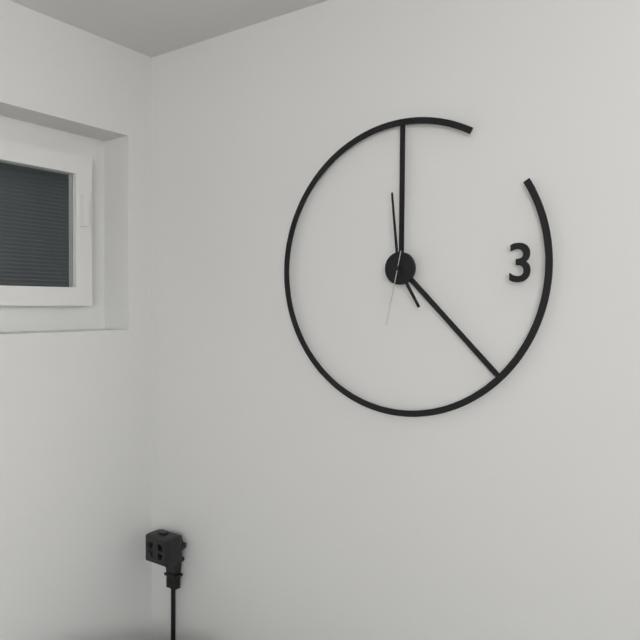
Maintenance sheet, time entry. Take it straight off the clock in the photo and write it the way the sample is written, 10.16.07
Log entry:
4.59.32
